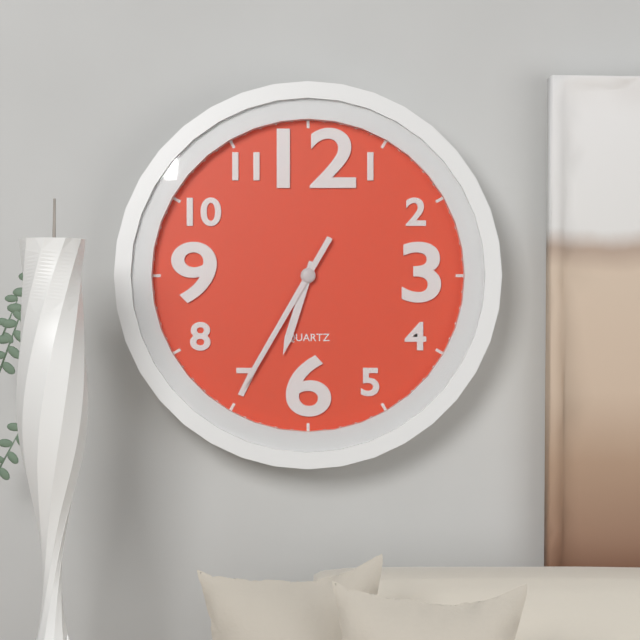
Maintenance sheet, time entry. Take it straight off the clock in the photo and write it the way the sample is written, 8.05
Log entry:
6.35
